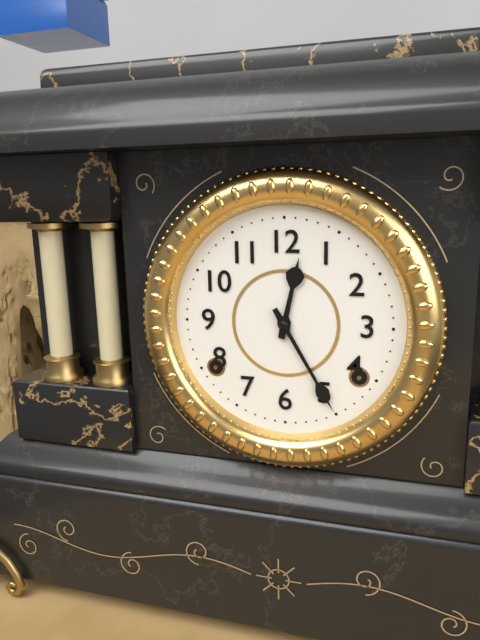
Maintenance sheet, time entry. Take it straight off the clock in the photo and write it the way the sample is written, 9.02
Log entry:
12.25
